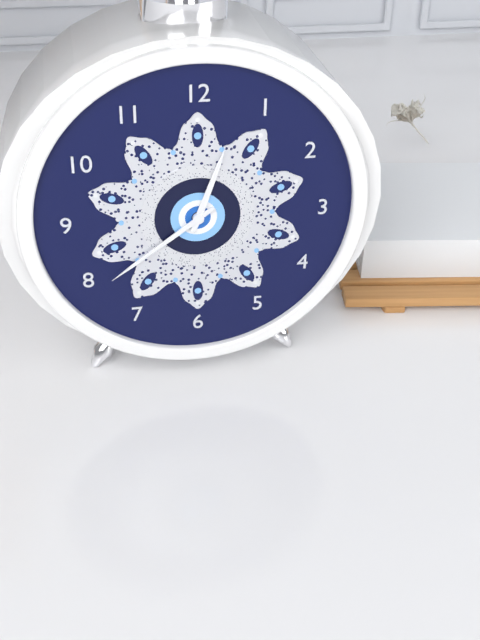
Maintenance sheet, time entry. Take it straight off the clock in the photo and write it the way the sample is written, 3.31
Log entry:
12.39
